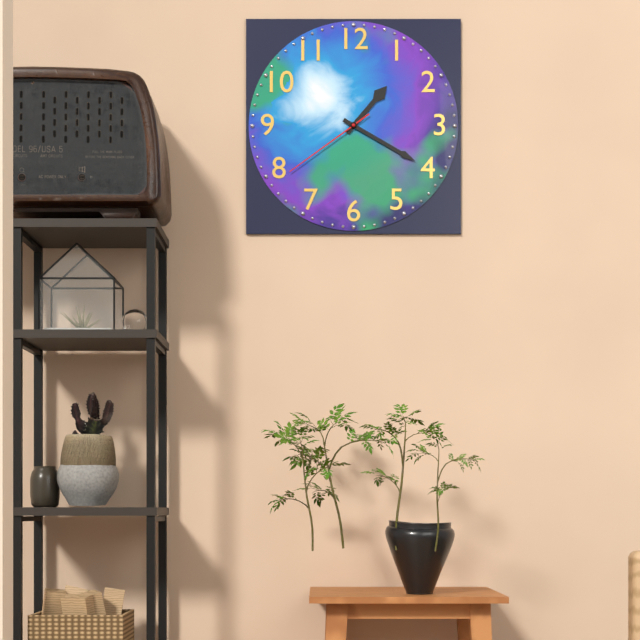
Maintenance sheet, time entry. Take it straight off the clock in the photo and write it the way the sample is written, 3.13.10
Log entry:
1.20.39
